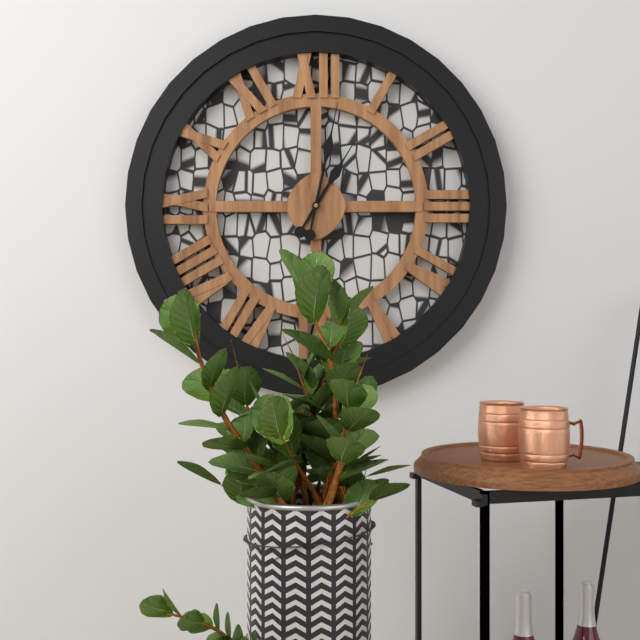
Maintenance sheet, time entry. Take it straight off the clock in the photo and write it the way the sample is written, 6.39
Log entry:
1.02
